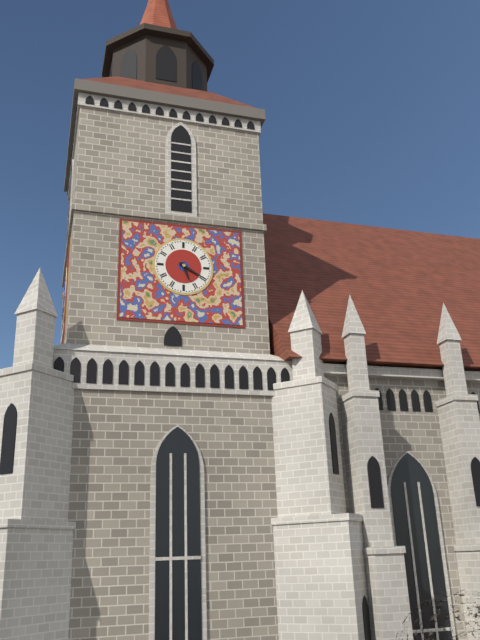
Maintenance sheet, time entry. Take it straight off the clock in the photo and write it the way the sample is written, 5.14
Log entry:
5.20
